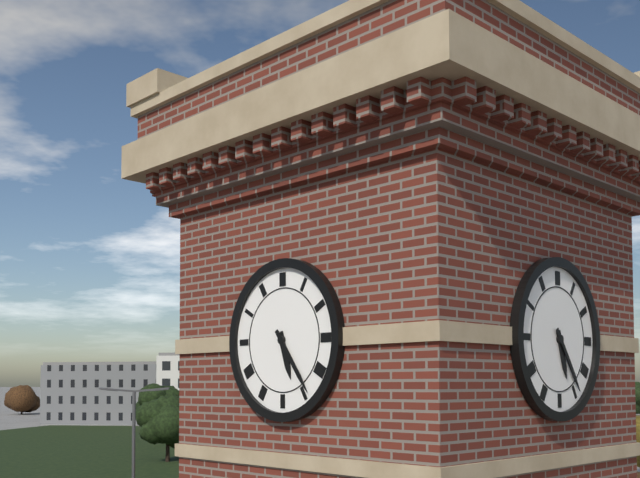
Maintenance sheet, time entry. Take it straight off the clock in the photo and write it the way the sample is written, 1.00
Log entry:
5.24
